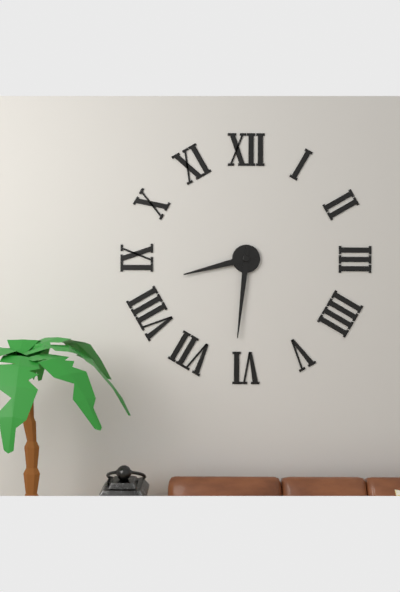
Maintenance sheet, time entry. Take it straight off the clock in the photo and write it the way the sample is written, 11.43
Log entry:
8.31
